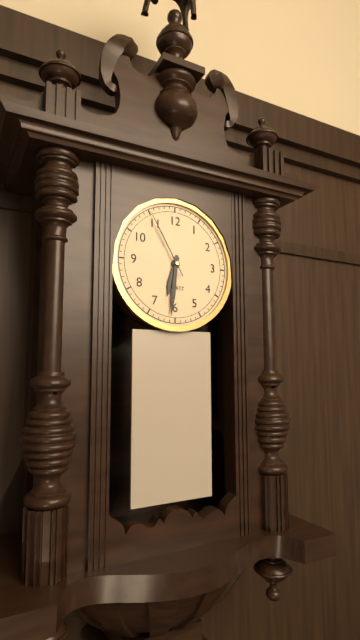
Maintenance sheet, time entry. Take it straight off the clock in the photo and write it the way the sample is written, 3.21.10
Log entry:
6.31.55
